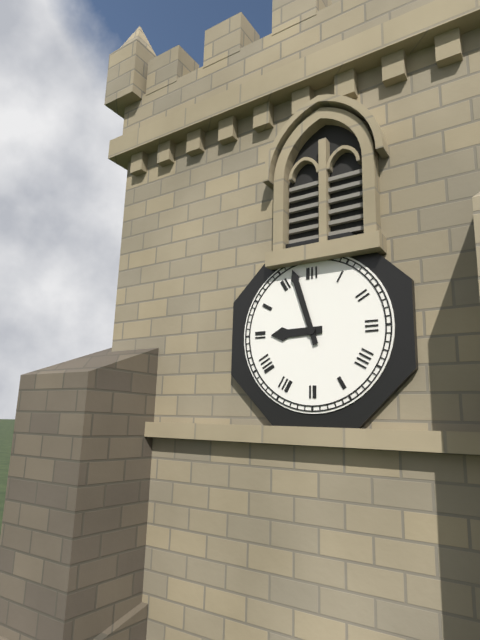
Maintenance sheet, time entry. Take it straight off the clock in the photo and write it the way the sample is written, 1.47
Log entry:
8.57
